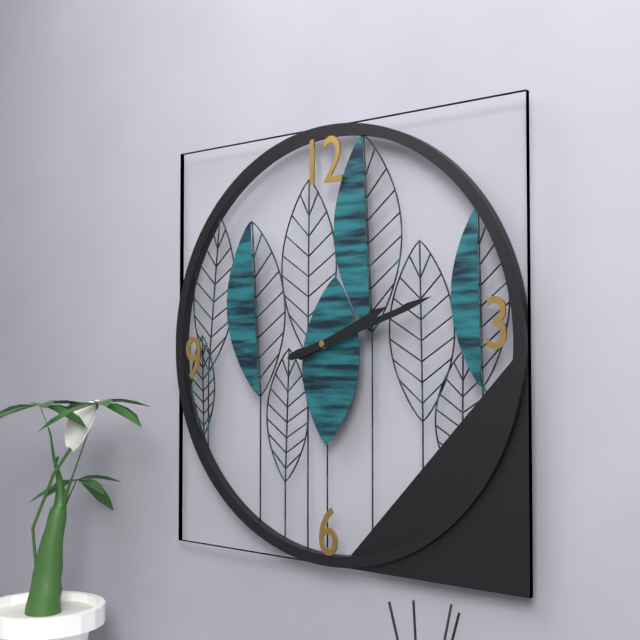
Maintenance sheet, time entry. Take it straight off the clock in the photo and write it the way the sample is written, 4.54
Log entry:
2.12
